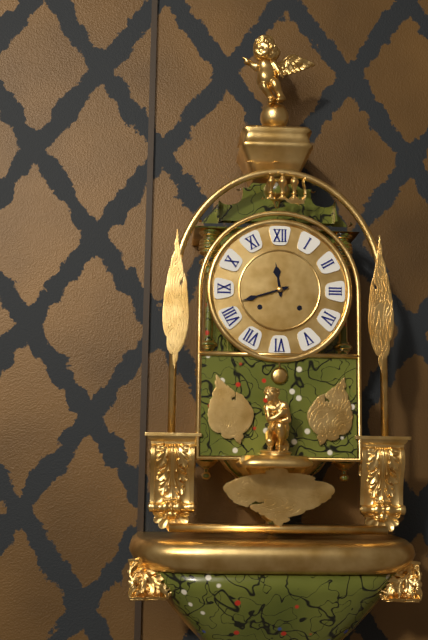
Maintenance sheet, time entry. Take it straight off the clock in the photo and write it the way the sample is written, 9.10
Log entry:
11.42
